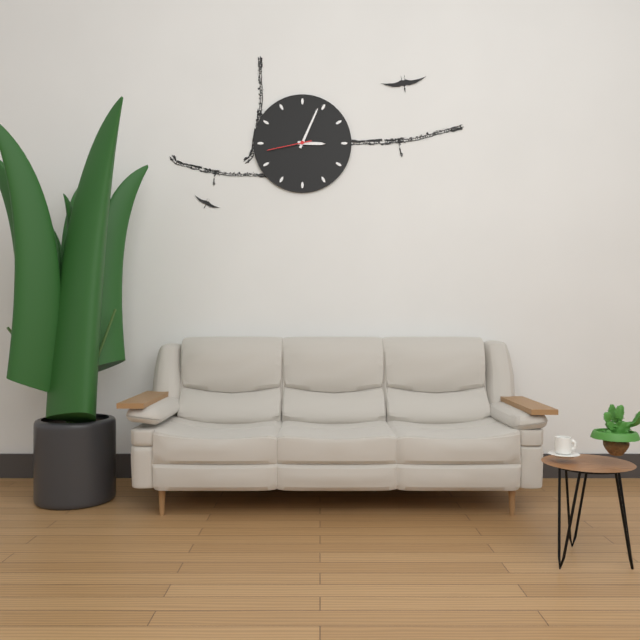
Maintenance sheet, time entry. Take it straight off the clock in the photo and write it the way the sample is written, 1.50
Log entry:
3.04
